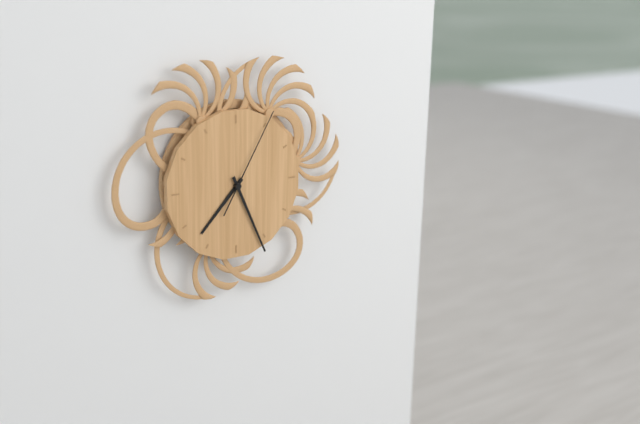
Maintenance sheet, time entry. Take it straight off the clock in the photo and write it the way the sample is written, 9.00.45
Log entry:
7.26.05
